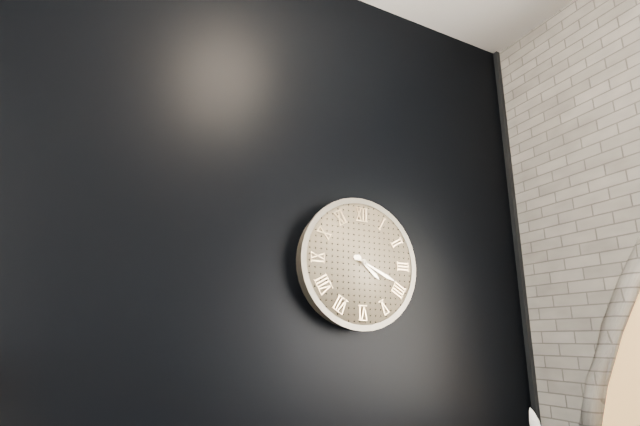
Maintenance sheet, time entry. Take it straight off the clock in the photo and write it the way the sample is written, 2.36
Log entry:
4.19
